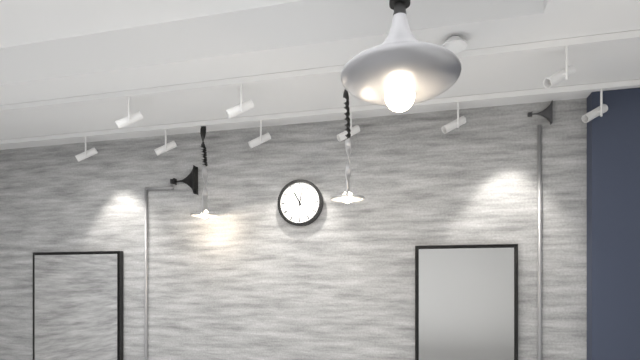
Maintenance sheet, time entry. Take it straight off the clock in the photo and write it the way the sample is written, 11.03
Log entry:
11.02
